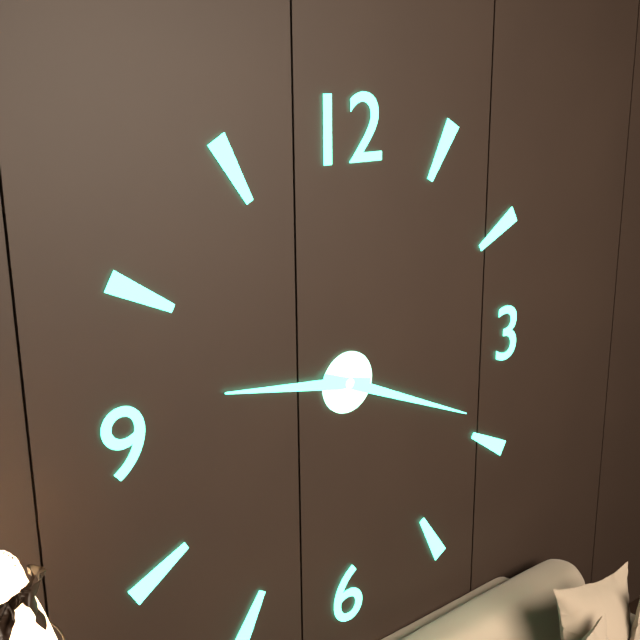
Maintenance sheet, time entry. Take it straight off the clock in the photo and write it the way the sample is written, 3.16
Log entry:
9.19
